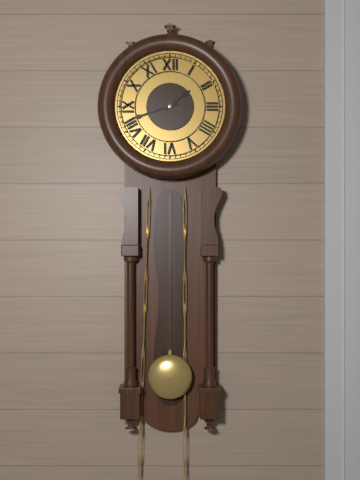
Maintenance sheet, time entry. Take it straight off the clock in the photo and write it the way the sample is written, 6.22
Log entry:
1.42
